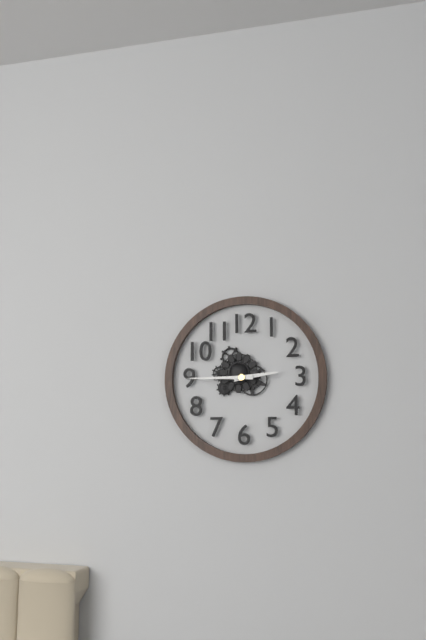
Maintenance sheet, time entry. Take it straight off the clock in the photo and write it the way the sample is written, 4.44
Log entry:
2.45
